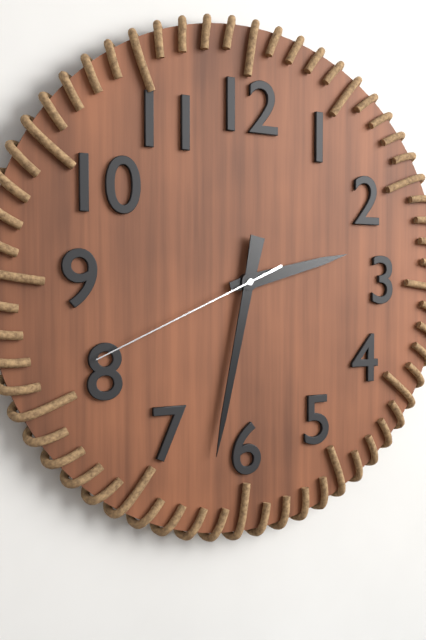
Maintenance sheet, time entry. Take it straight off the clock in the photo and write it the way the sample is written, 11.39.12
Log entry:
2.32.41
